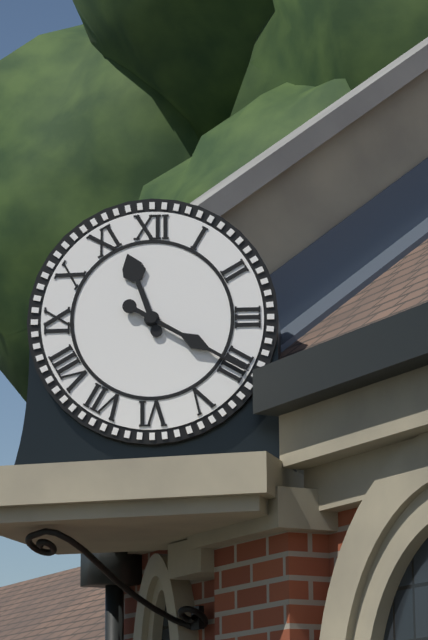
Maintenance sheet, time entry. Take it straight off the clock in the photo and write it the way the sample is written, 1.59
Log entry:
11.20
